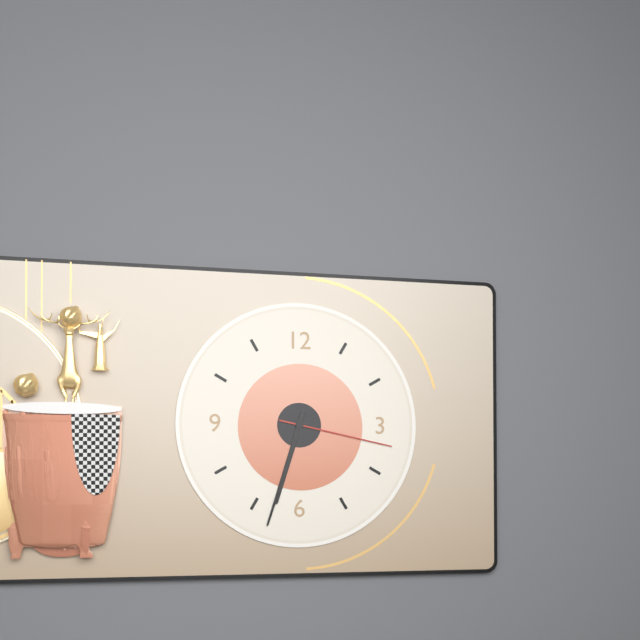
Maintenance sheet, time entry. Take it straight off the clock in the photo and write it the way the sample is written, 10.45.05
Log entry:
6.33.17
